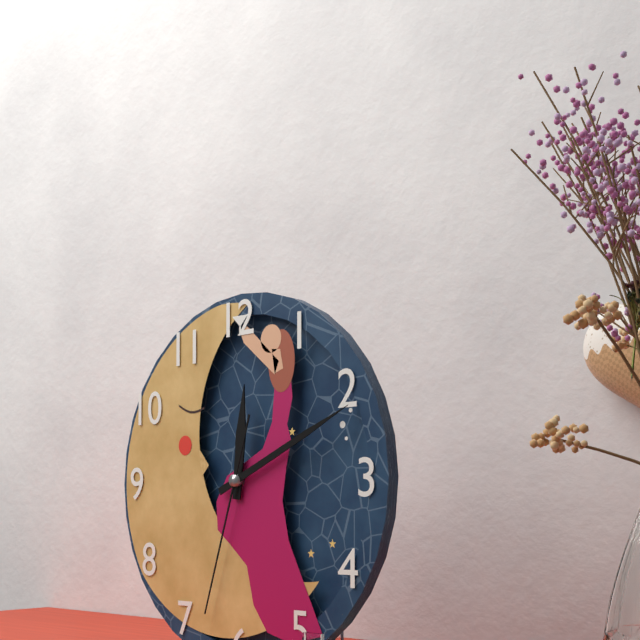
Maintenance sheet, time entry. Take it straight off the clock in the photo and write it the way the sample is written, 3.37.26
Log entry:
12.11.33
